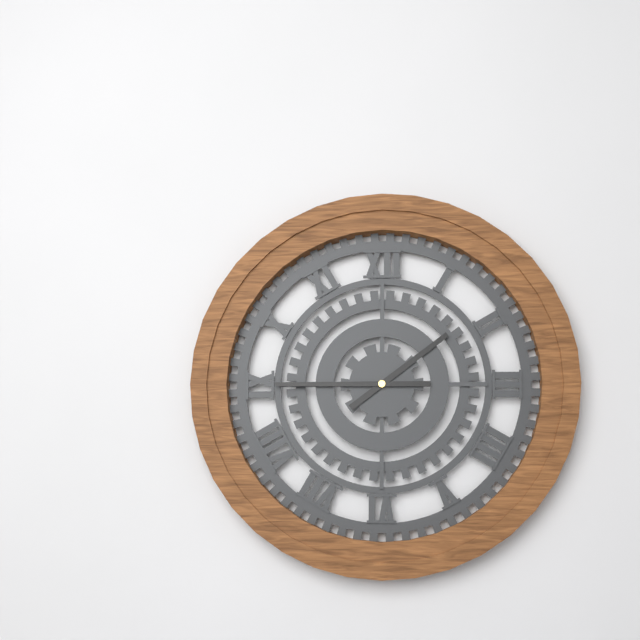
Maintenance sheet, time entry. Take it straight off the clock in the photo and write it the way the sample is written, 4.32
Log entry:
1.45
